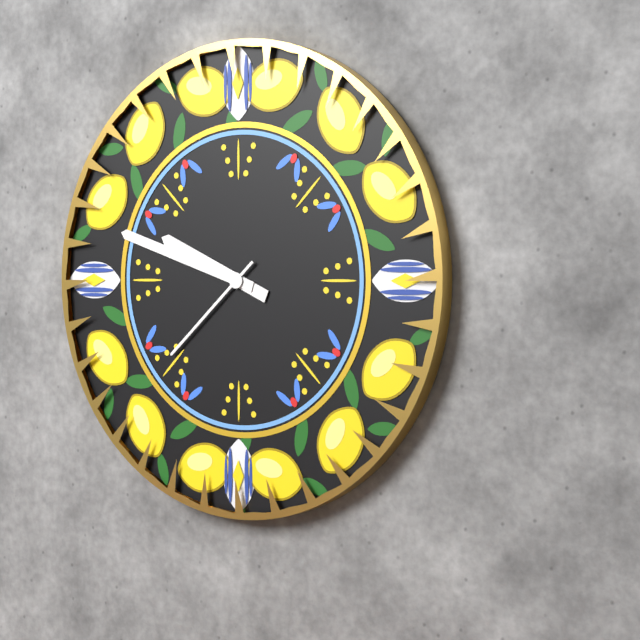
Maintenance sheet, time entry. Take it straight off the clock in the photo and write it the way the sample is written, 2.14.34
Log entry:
9.48.38
